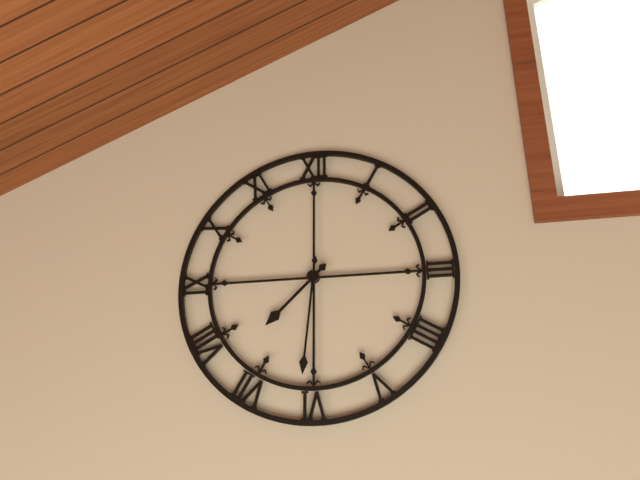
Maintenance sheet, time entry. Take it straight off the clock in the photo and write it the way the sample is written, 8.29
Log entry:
7.31
